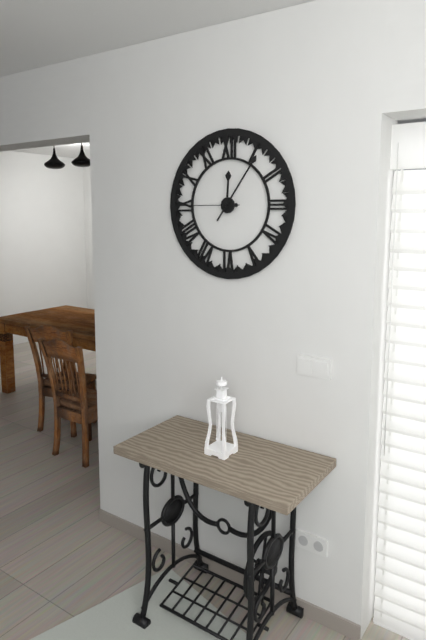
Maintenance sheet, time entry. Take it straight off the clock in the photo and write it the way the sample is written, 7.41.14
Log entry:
12.06.45
